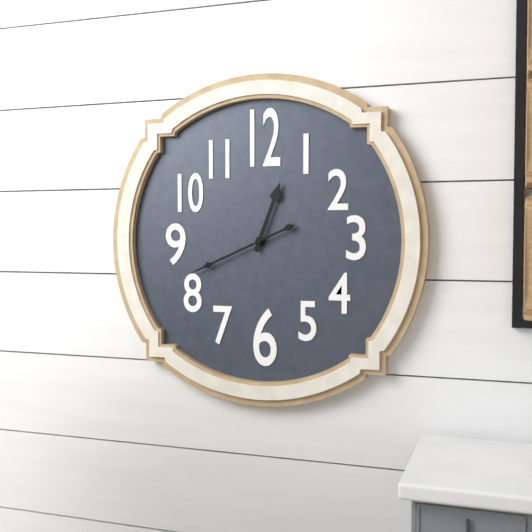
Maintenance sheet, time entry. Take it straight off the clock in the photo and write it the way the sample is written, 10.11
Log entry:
12.41
